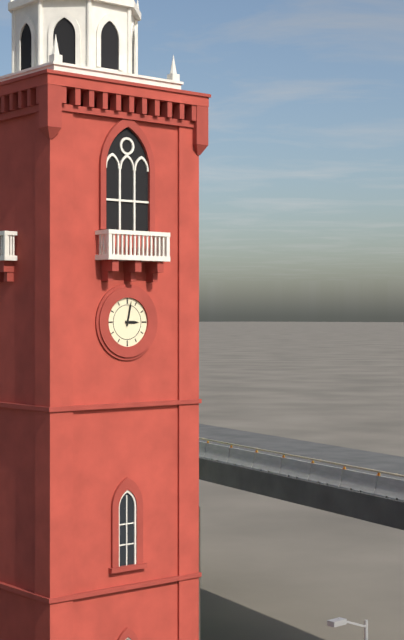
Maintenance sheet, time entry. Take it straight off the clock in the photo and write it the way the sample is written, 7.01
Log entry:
3.02
